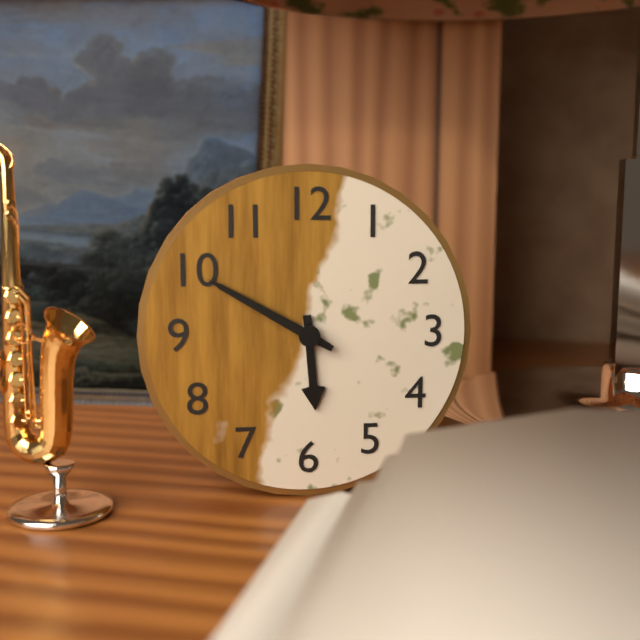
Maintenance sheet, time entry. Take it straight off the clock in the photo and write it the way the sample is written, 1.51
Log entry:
5.50
